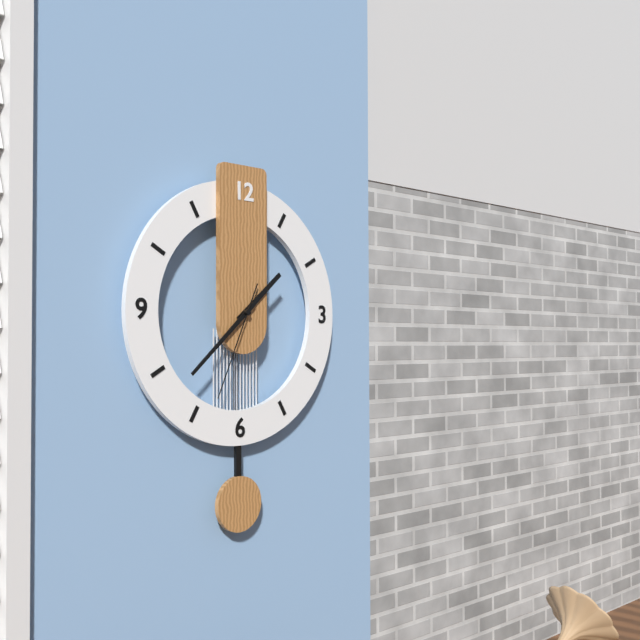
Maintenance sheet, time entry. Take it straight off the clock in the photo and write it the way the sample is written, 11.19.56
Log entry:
1.38.34
